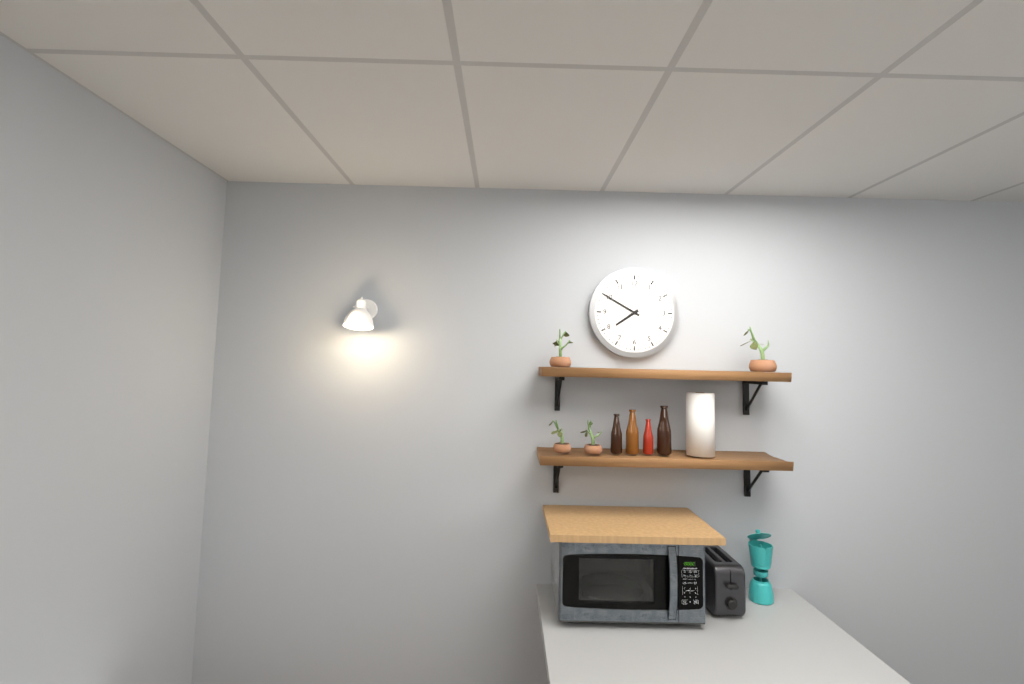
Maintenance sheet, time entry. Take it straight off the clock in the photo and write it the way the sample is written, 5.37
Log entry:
7.50
